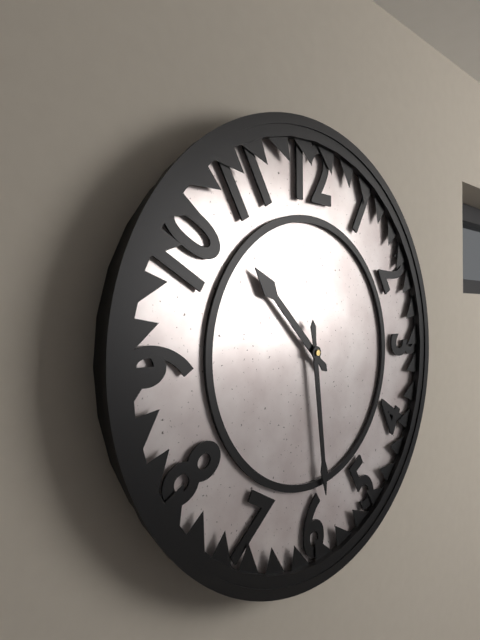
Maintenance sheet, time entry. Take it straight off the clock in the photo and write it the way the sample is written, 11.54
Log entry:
10.29
